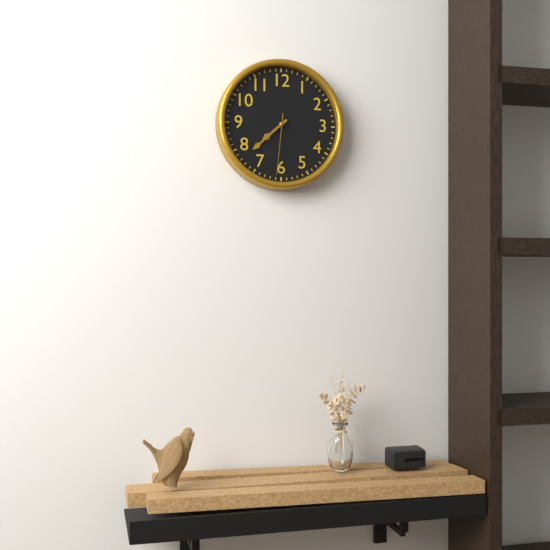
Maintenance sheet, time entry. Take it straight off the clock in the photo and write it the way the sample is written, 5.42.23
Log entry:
7.38.31
